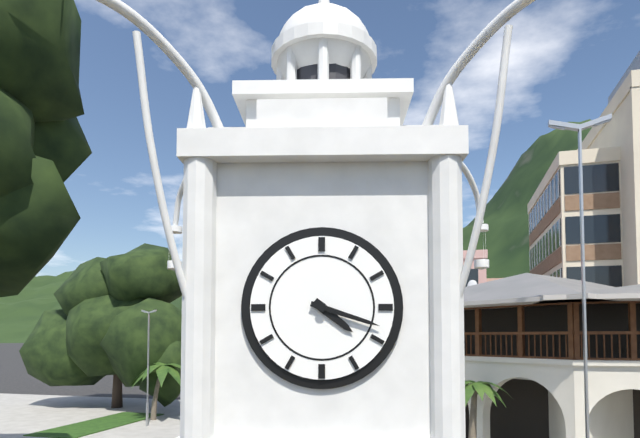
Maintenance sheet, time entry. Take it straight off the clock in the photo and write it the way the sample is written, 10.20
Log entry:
4.18
